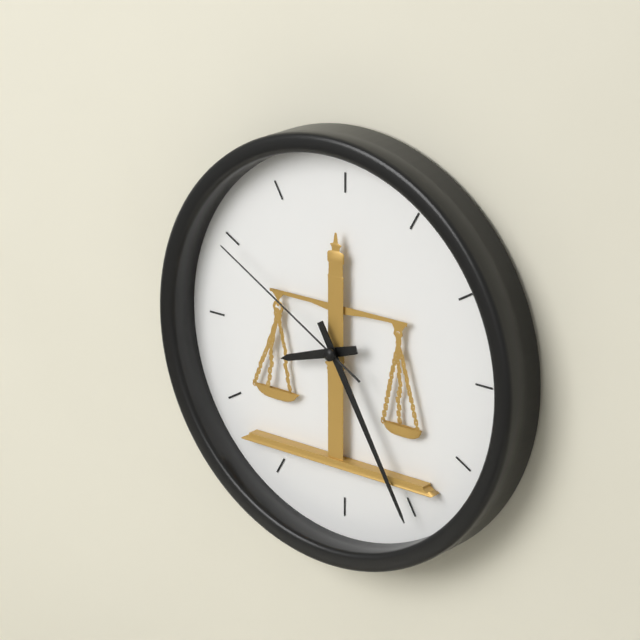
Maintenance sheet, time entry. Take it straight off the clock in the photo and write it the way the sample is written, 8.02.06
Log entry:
8.25.50
